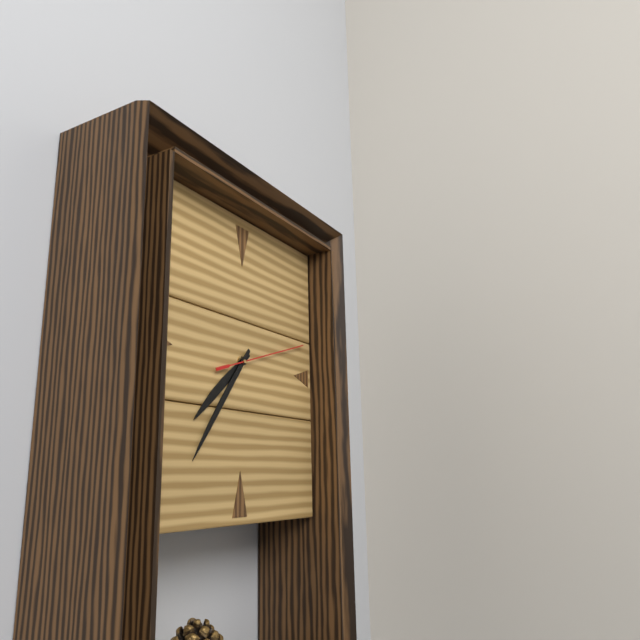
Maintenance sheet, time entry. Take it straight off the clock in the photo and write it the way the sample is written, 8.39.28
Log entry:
7.36.12
